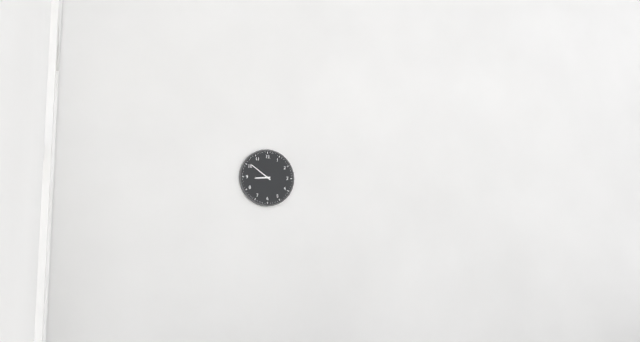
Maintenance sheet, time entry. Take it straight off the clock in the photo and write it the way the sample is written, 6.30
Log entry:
8.51
